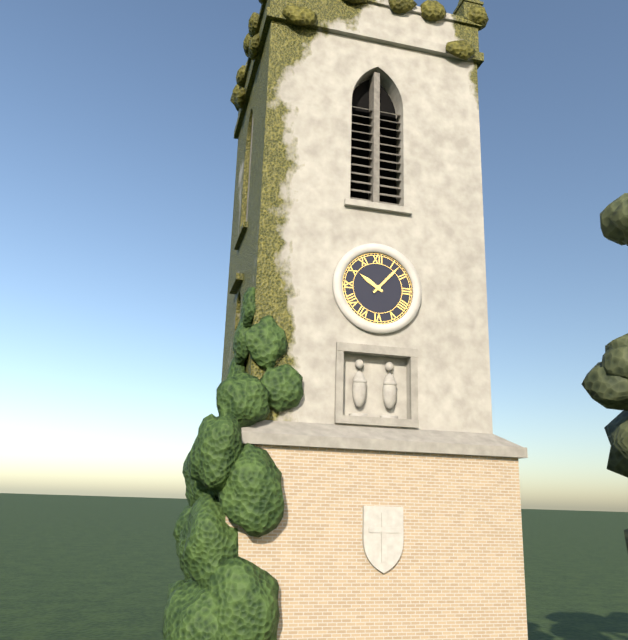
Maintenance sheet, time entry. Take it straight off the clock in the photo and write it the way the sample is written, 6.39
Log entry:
10.07
